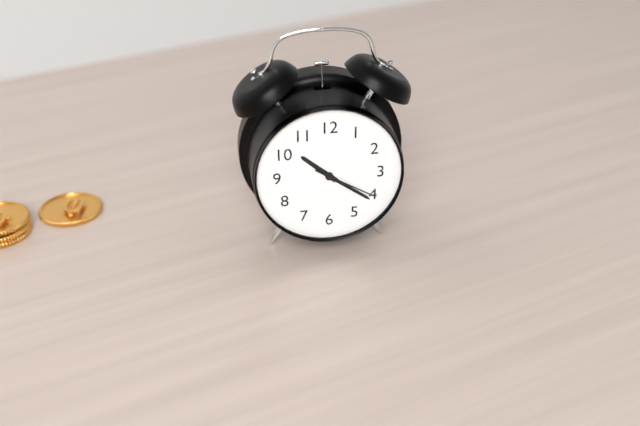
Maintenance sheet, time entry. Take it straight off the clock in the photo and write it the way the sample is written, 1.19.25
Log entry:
10.21.20
